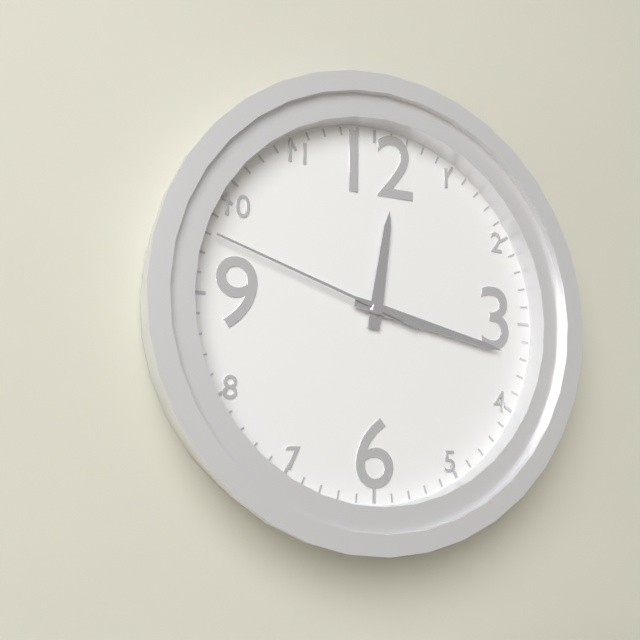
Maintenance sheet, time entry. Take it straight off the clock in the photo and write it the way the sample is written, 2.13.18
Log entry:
12.17.48
